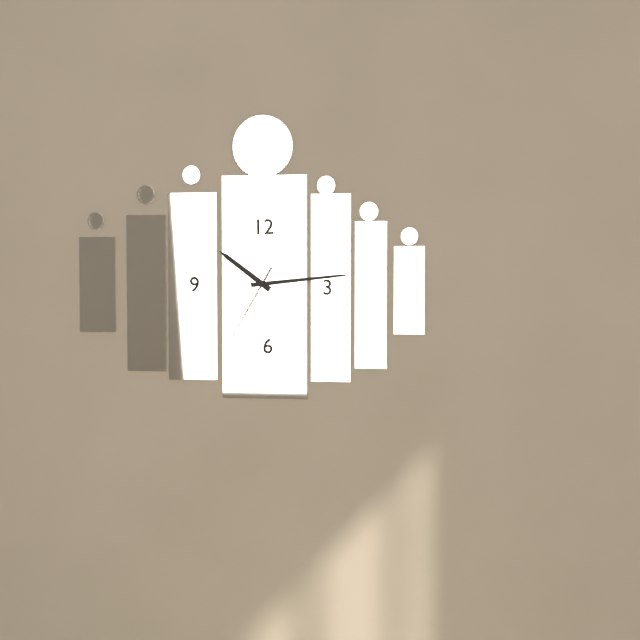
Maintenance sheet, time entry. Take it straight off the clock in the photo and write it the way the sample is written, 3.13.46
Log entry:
10.14.35
